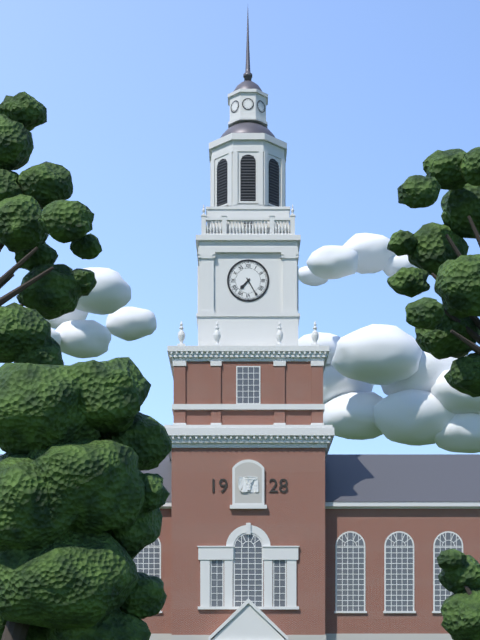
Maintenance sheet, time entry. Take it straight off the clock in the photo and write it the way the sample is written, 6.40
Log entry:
7.25
